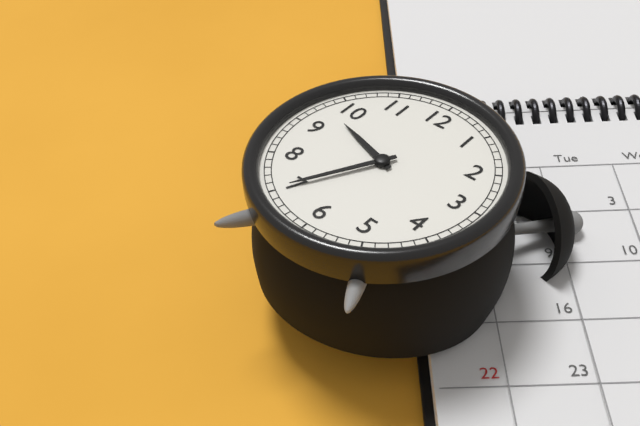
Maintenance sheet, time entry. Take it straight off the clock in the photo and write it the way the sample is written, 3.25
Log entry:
9.35
